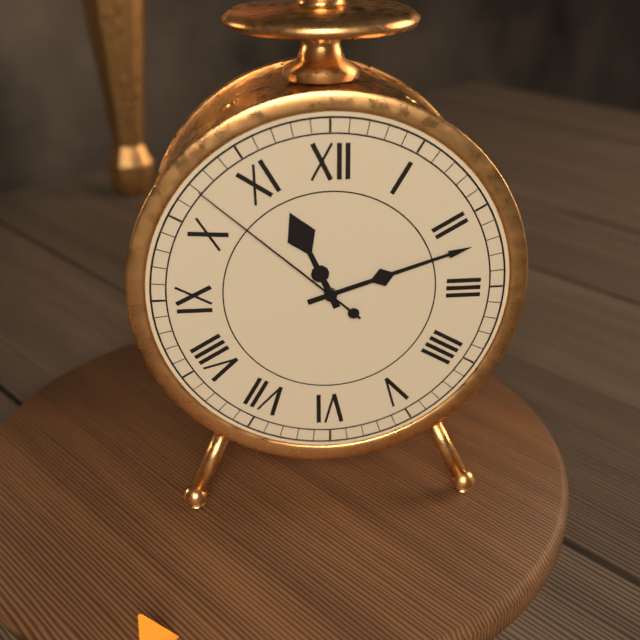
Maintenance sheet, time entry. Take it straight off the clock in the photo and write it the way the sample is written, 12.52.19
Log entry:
11.12.52
